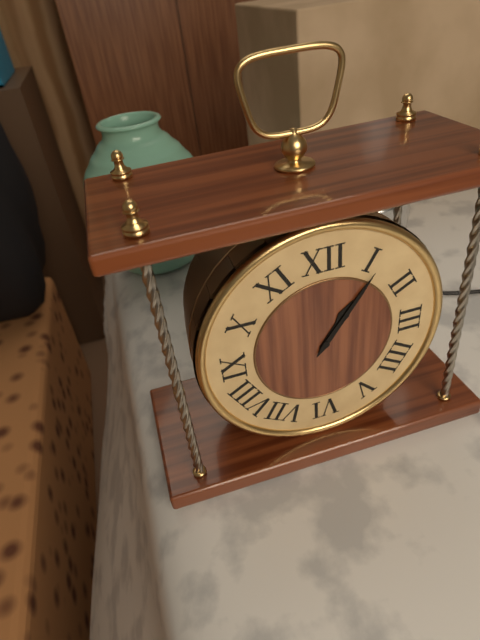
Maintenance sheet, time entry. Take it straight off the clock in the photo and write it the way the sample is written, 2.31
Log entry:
1.06
